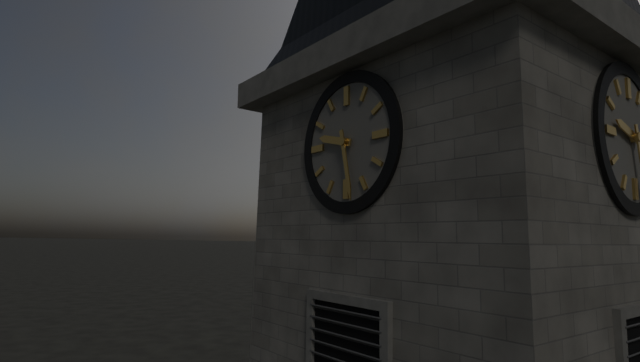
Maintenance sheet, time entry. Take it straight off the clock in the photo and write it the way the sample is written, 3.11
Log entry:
9.28
